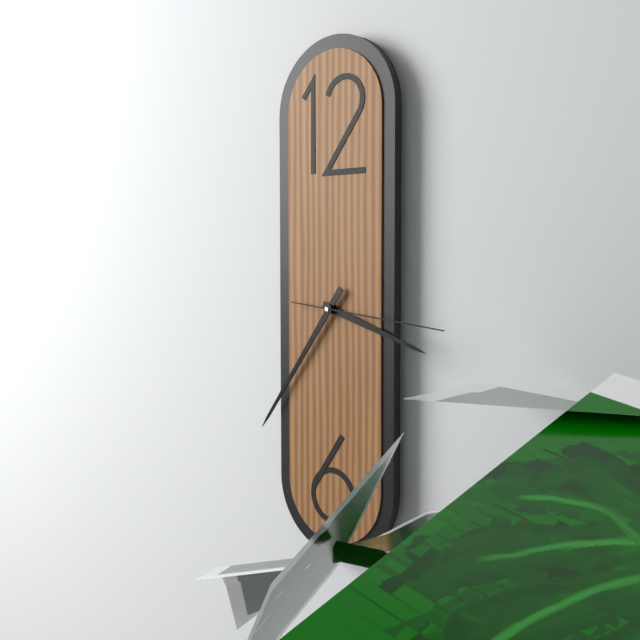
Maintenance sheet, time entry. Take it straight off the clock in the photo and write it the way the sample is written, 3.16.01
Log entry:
3.36.16
